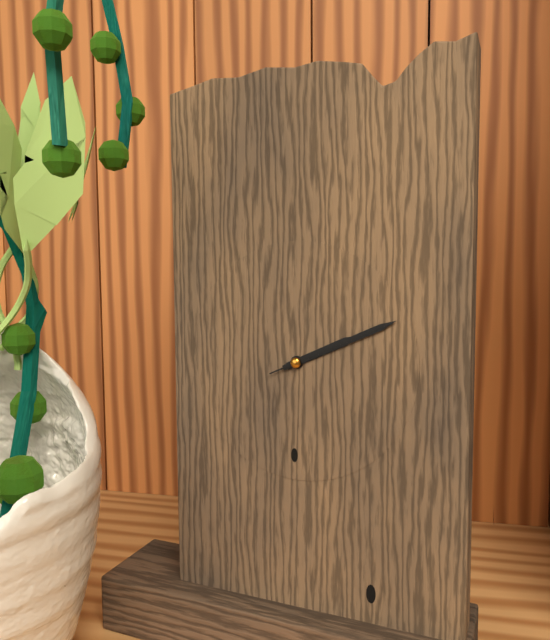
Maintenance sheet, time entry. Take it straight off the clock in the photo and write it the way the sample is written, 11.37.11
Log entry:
2.11.11
